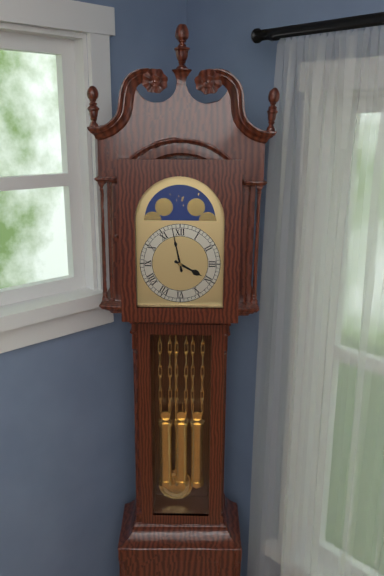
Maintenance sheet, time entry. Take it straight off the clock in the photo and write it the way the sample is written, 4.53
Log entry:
3.58
